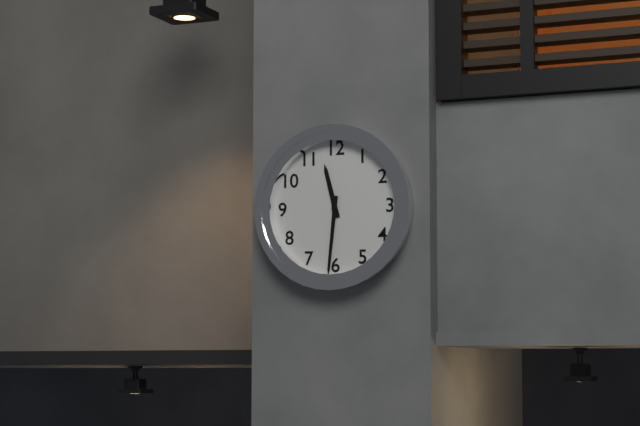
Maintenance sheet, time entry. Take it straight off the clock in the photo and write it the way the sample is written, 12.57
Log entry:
11.31
